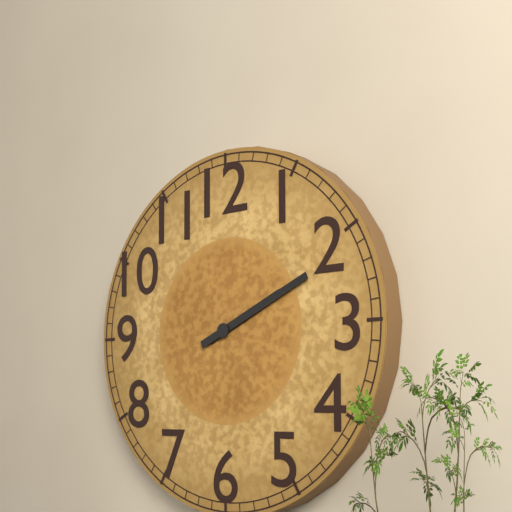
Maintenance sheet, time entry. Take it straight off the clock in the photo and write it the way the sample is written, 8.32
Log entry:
2.11
